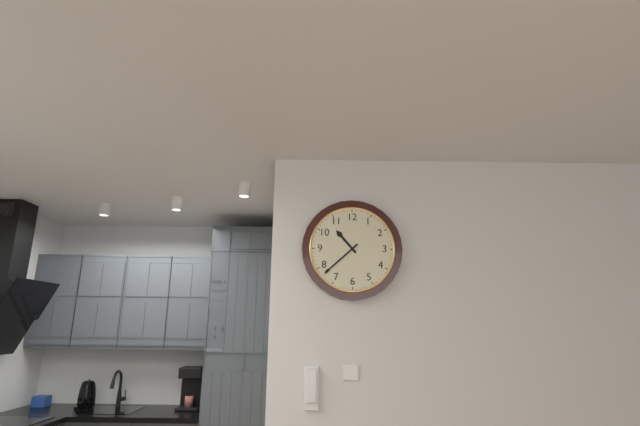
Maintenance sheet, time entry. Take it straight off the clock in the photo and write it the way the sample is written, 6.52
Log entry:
10.38
